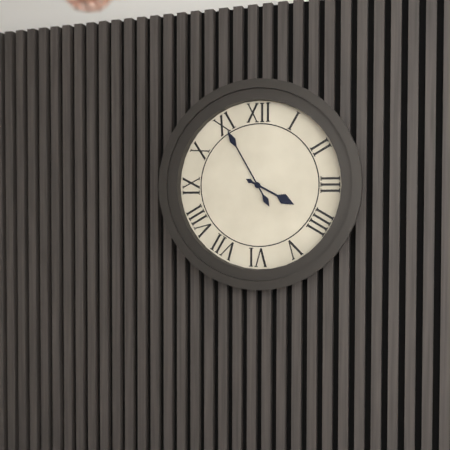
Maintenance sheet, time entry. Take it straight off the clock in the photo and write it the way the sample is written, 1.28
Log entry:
3.55
